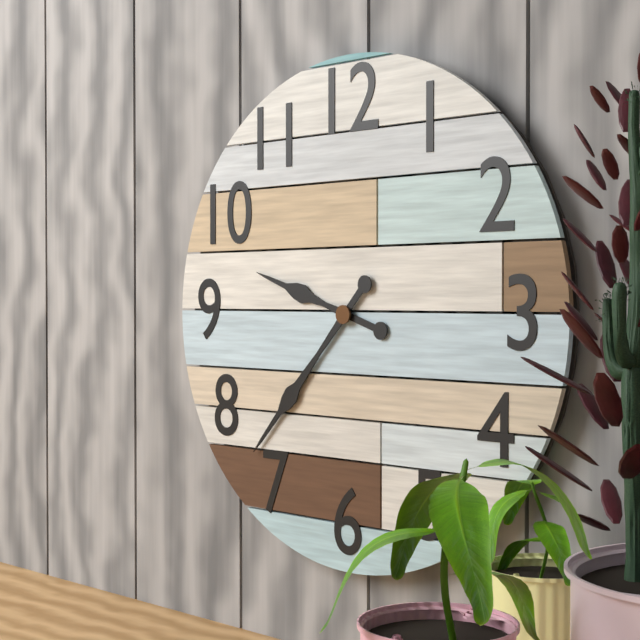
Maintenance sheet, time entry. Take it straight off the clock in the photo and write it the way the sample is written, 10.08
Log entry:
9.37
